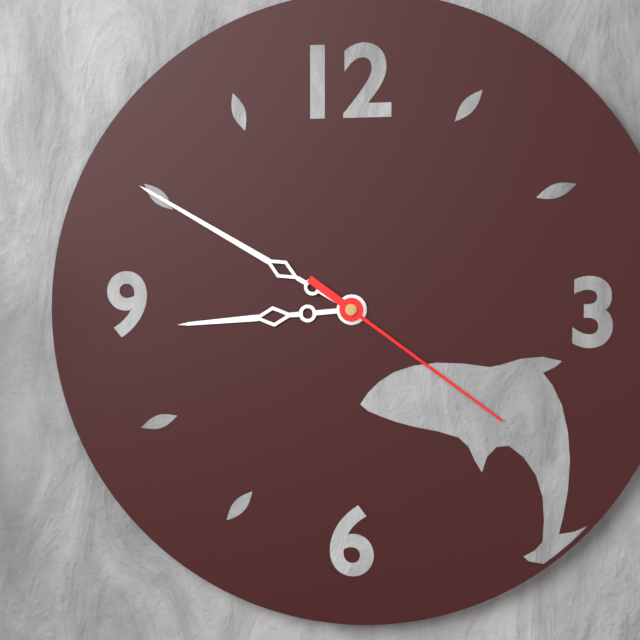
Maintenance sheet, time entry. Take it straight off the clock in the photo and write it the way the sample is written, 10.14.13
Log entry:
8.50.21
